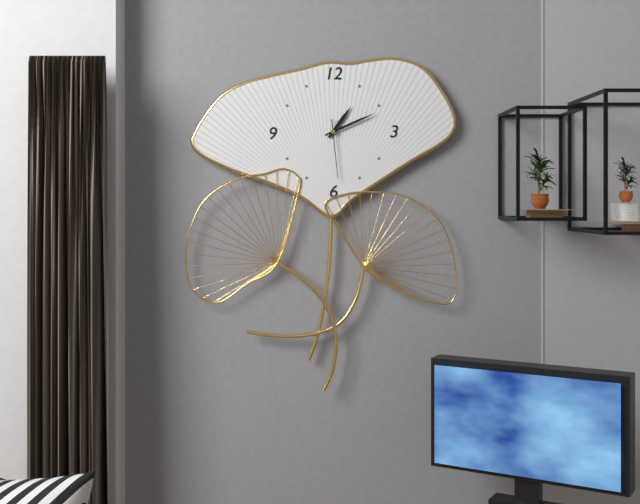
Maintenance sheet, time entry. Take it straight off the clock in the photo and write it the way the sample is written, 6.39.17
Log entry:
1.11.29
